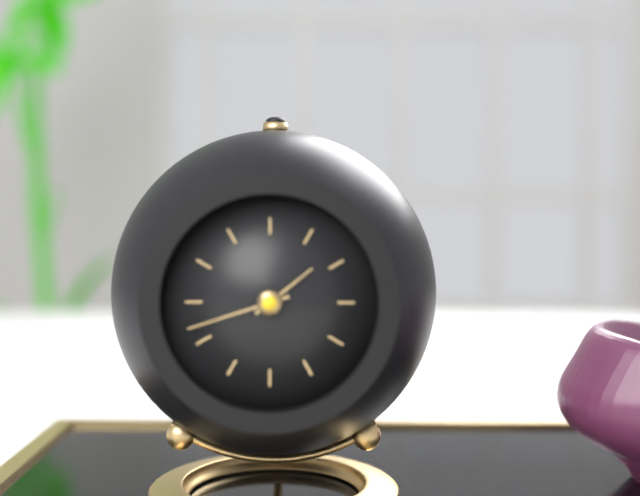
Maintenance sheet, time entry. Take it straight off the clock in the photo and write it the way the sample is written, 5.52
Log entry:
1.42
